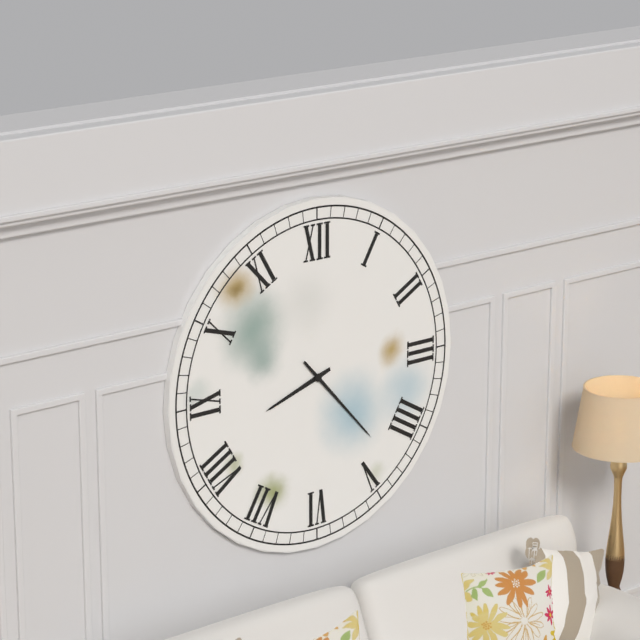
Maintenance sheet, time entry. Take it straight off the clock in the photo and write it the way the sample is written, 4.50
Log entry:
8.23
